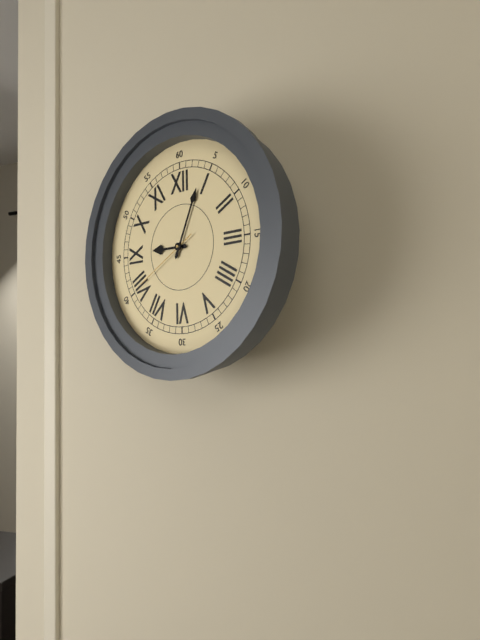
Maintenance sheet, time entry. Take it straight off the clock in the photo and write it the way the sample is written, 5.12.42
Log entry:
9.04.40
